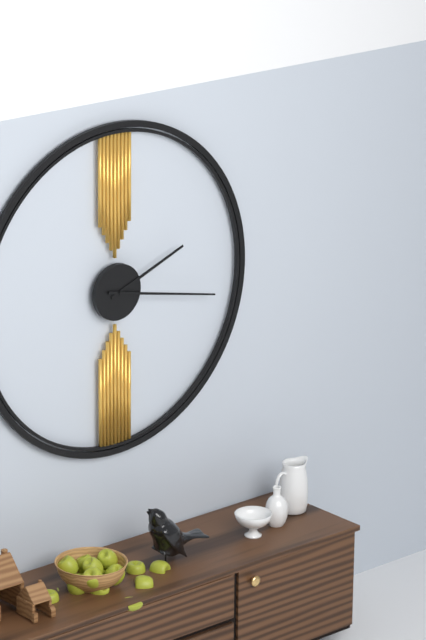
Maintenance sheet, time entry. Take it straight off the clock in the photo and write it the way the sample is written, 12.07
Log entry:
2.17
